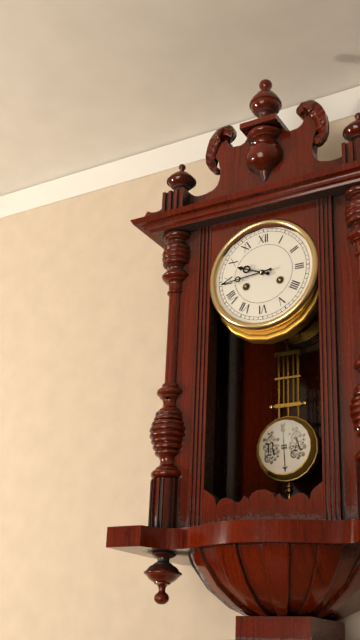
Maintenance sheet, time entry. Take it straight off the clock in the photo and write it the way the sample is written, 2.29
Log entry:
9.44
